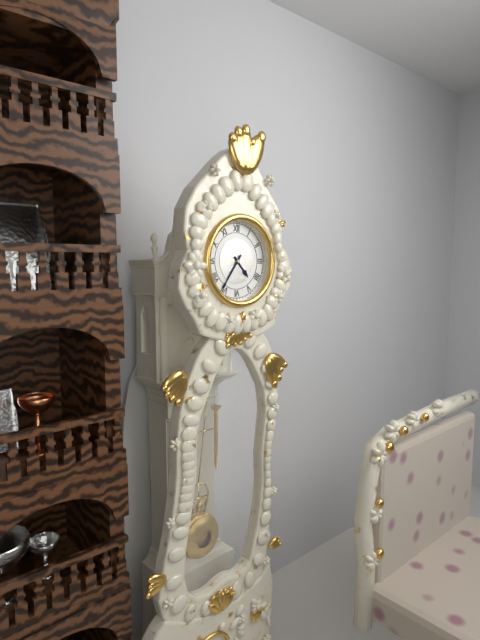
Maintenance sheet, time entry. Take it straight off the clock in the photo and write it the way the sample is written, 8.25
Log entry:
4.36
